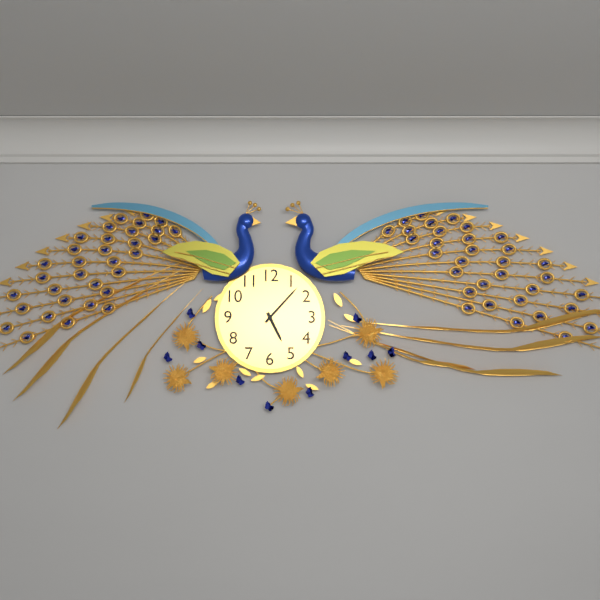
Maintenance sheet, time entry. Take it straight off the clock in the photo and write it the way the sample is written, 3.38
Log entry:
5.07
